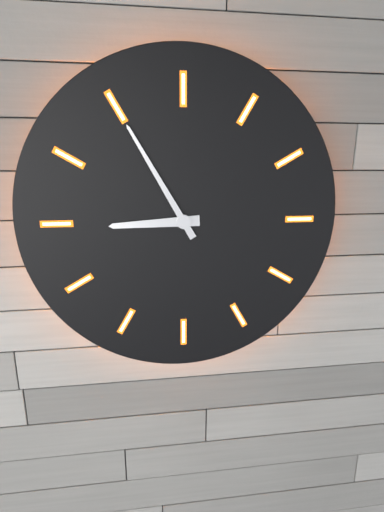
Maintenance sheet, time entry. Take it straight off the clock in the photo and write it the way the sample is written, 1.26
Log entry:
8.55
